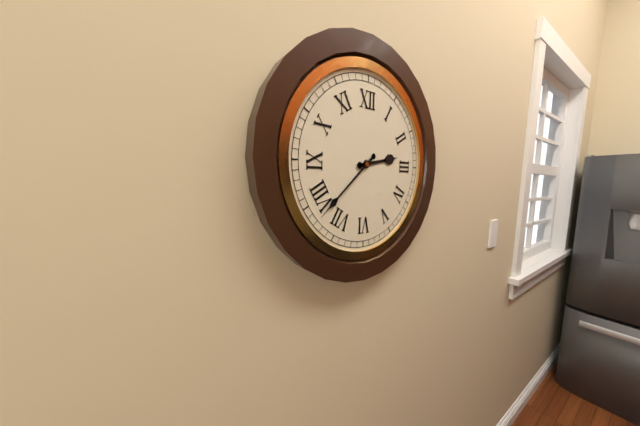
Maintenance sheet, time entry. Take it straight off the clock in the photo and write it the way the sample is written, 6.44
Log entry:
2.38
